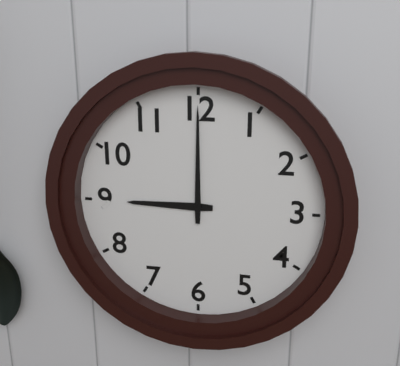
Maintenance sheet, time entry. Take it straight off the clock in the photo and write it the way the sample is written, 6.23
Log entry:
9.00
